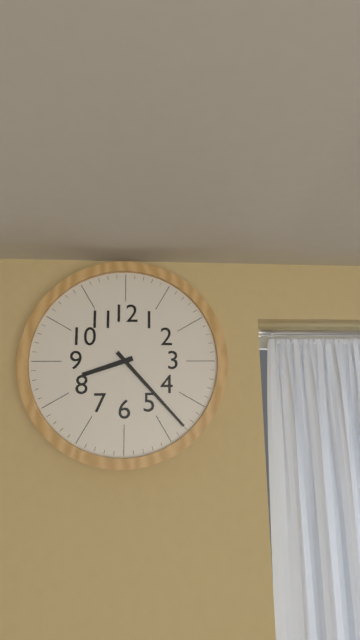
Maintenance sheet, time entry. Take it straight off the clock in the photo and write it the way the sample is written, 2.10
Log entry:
8.23
